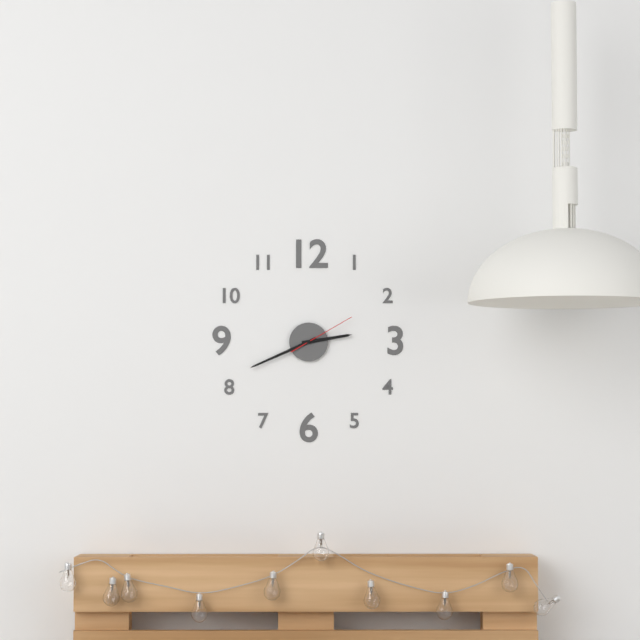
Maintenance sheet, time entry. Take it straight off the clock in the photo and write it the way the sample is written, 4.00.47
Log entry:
2.41.10
